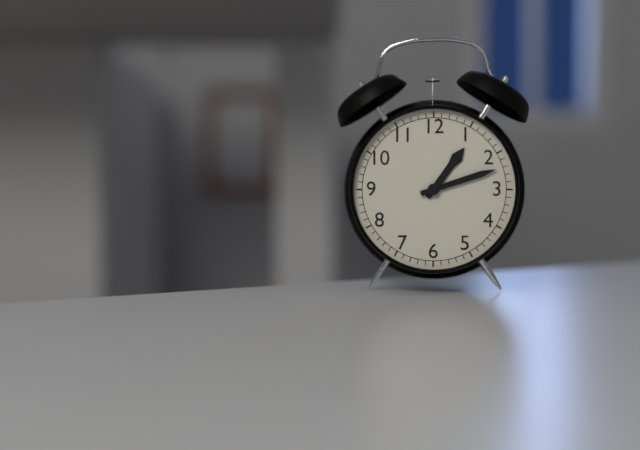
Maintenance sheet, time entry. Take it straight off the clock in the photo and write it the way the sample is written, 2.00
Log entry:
1.12
